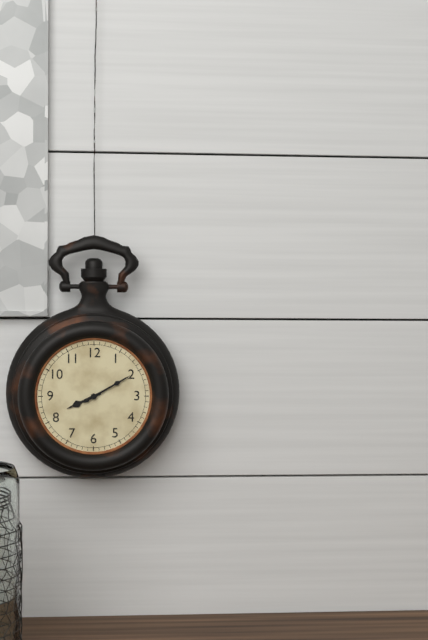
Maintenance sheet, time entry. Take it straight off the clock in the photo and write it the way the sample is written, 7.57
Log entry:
8.10
